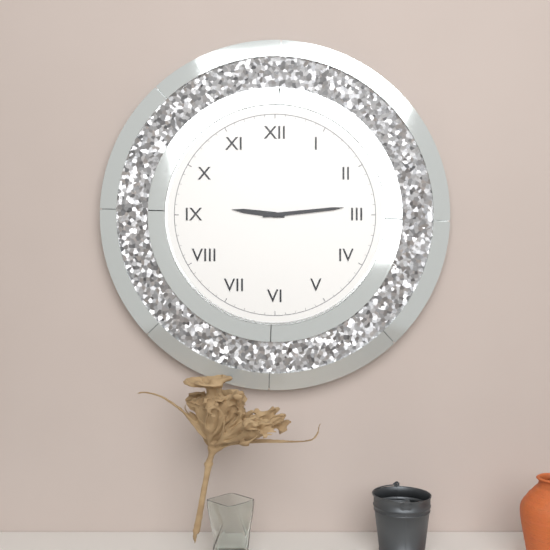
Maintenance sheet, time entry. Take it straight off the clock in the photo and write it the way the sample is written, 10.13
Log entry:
9.14
